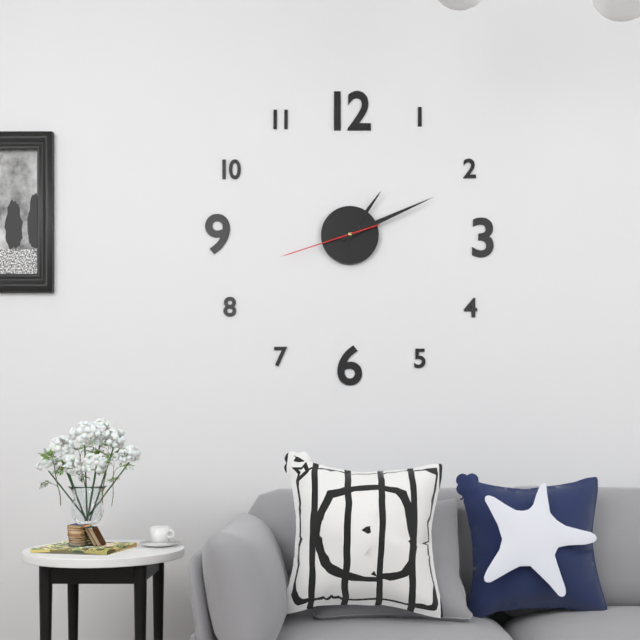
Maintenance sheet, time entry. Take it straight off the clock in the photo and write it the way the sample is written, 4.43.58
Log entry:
1.11.42
